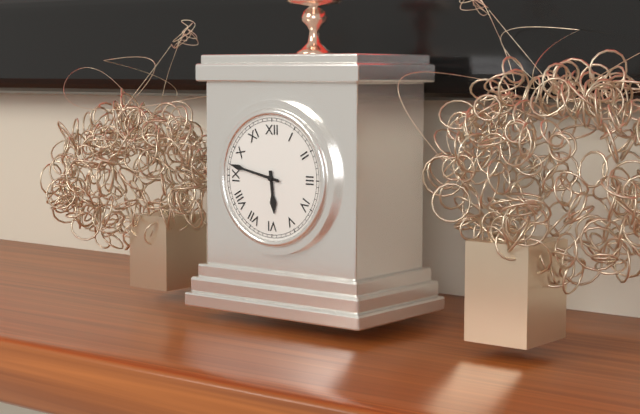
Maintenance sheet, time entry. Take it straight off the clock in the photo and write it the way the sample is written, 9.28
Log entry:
5.47
